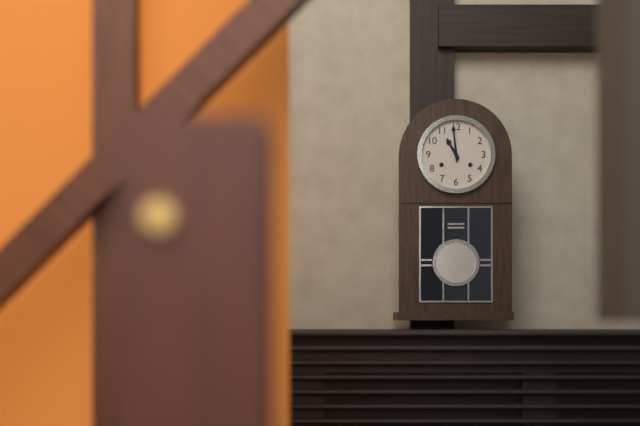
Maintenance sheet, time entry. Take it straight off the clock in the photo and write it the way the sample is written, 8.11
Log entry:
10.59
